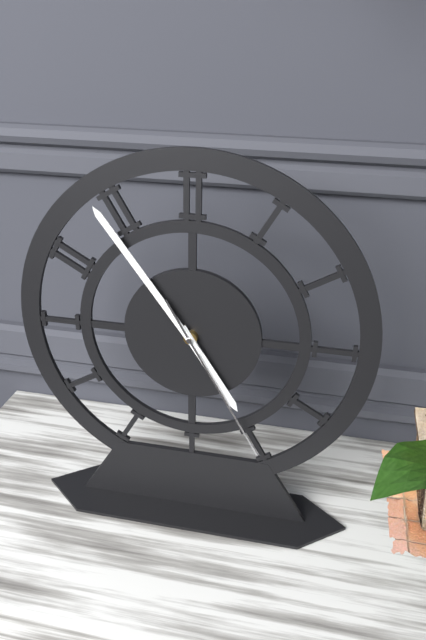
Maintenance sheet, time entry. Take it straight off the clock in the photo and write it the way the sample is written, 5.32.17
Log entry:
4.54.25
